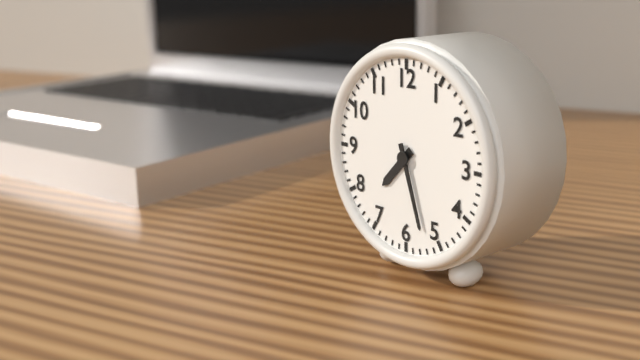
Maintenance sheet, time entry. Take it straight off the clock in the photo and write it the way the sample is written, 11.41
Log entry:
7.27
